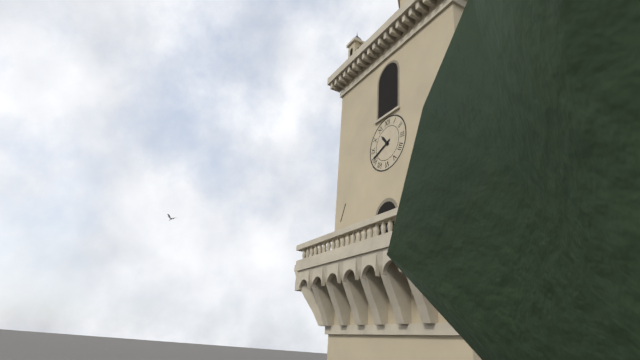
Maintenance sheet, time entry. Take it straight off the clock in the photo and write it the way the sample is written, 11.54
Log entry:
10.41
